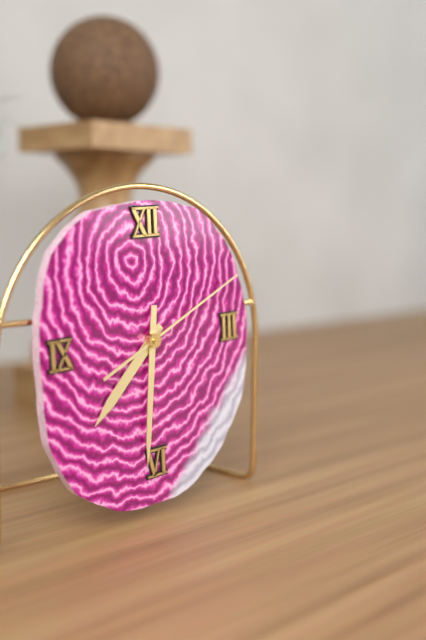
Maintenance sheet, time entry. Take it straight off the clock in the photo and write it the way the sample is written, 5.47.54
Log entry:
7.31.11
